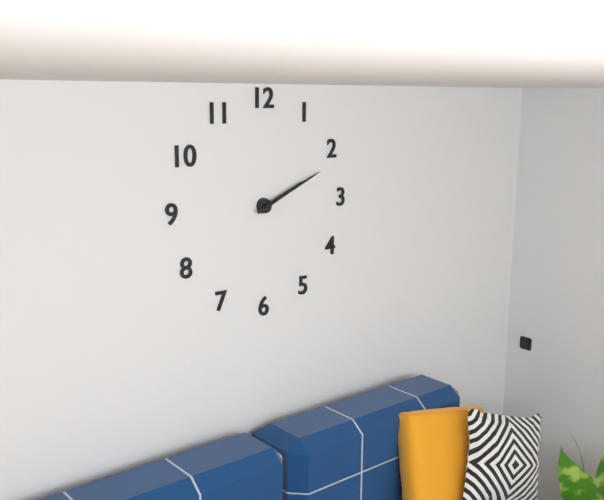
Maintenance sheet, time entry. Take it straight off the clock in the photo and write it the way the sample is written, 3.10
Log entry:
2.11
